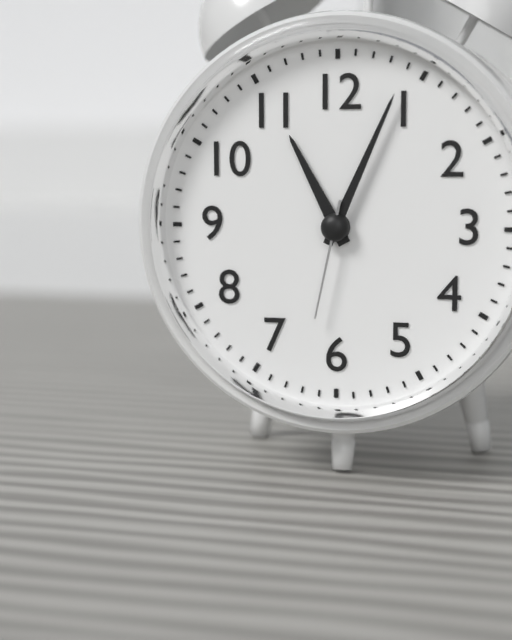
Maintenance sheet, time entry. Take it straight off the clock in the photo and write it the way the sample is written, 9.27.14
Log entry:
11.04.32
